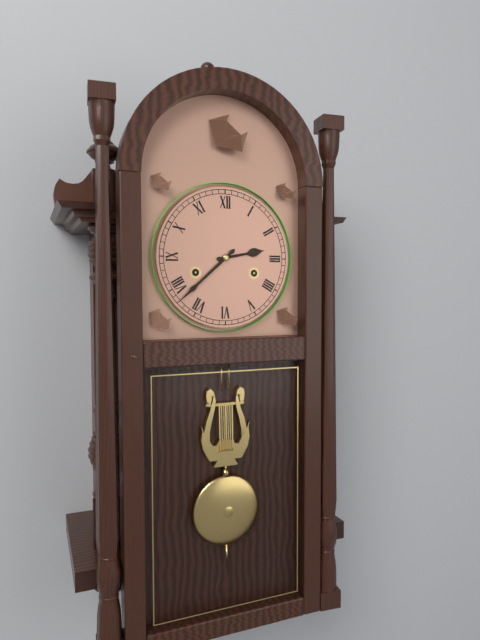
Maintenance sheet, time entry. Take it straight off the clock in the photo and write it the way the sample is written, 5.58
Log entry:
2.38
